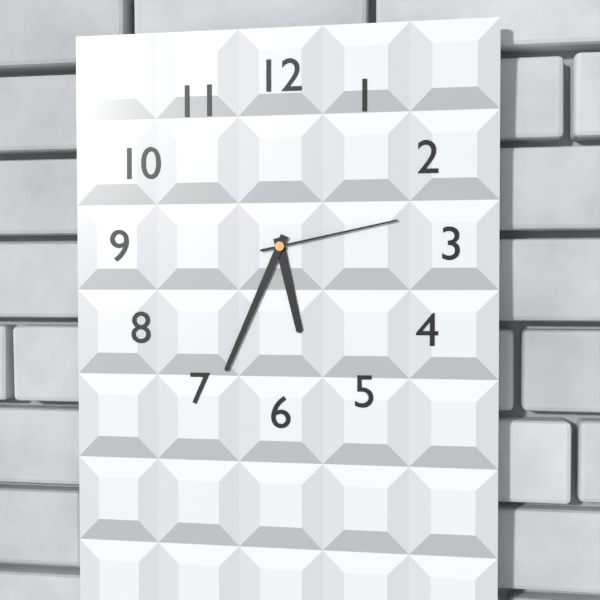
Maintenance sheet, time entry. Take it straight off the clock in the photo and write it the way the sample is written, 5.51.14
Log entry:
5.34.13
